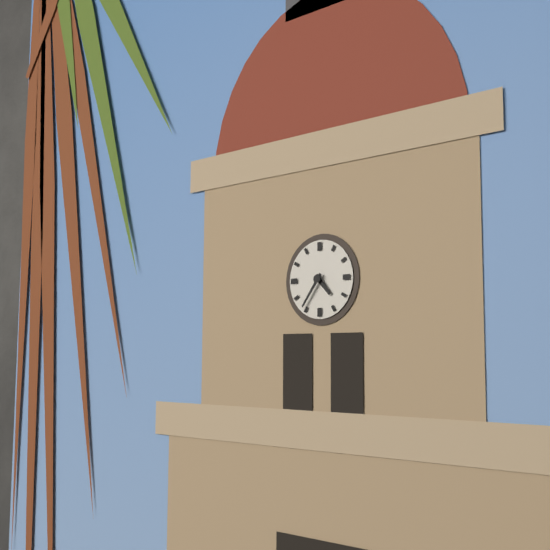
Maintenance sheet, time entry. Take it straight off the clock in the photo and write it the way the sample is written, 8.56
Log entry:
4.36
